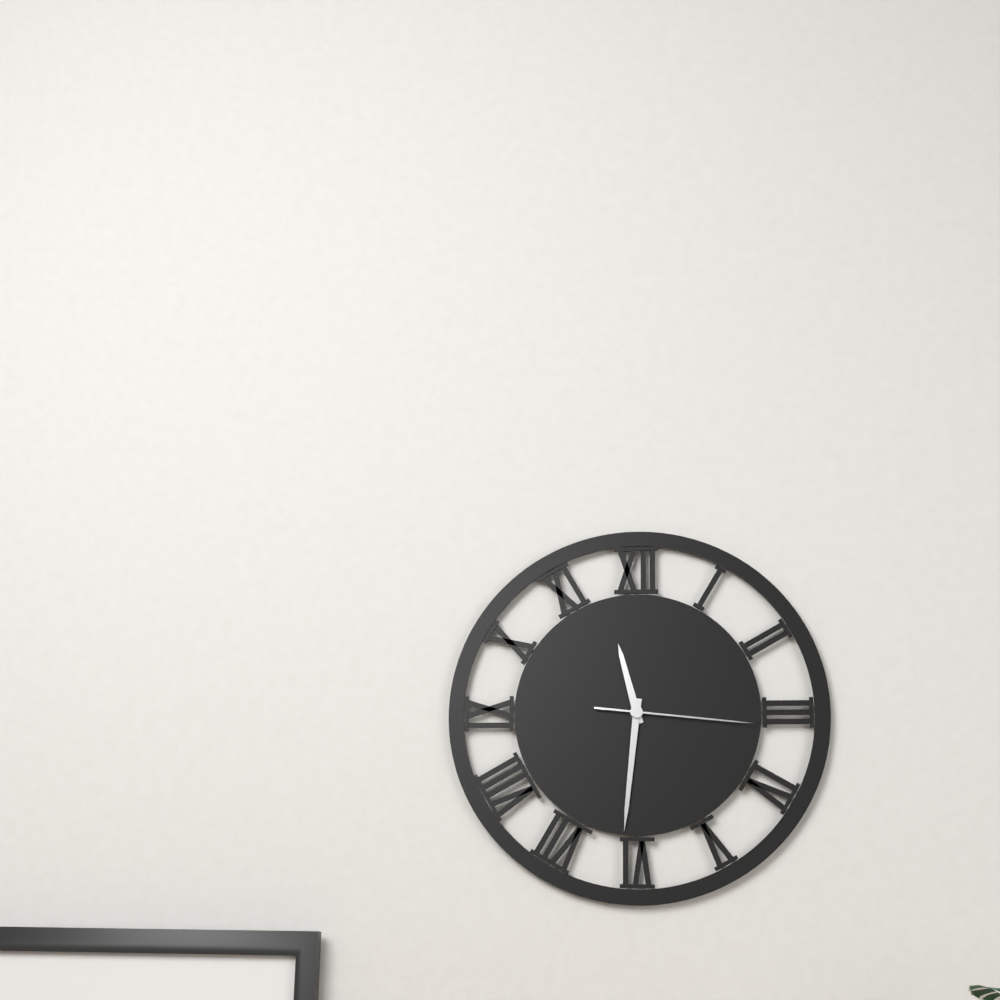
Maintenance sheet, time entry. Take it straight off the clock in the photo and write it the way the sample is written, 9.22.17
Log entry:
11.31.16
